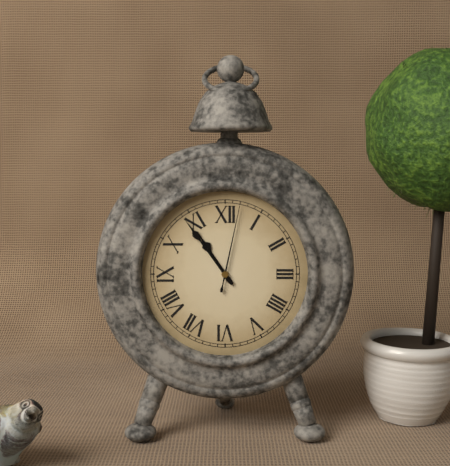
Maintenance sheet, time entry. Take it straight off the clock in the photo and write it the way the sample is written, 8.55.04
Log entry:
10.54.02
